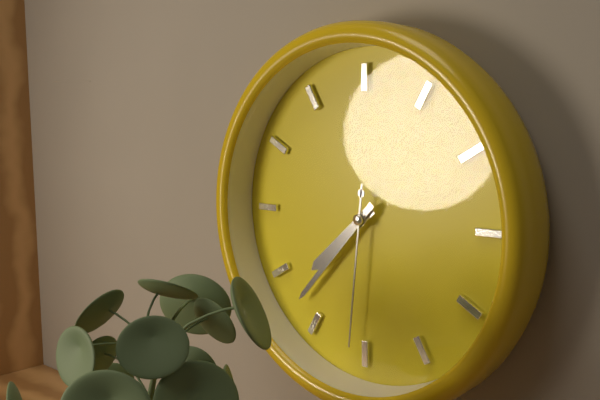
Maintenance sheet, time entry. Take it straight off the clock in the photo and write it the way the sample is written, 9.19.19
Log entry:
7.37.31
